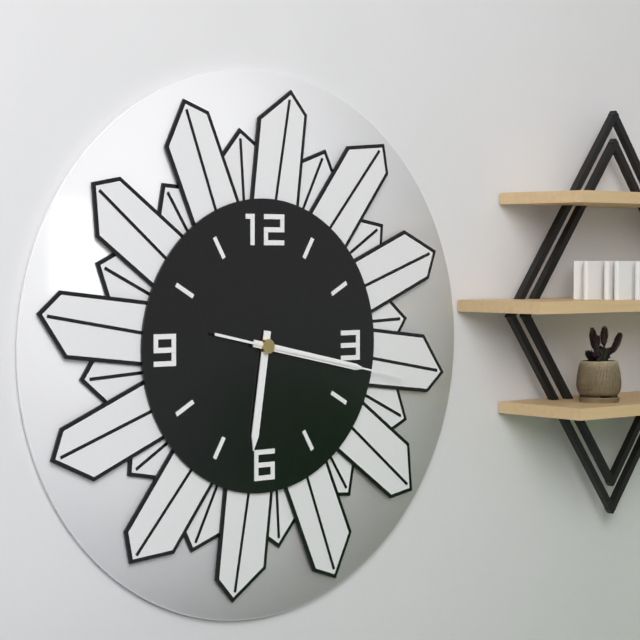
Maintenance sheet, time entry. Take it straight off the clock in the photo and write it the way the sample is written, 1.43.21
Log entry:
6.17.17
